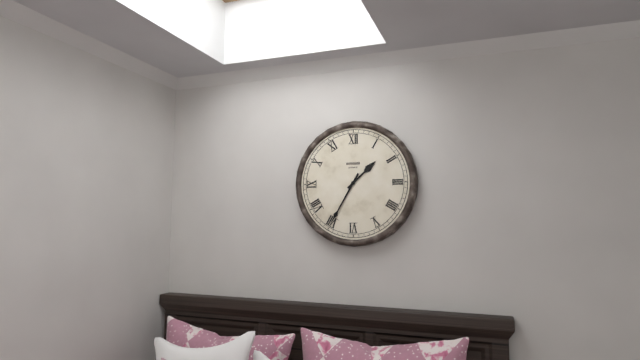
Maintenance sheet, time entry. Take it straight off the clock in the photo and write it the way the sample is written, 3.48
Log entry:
1.35
